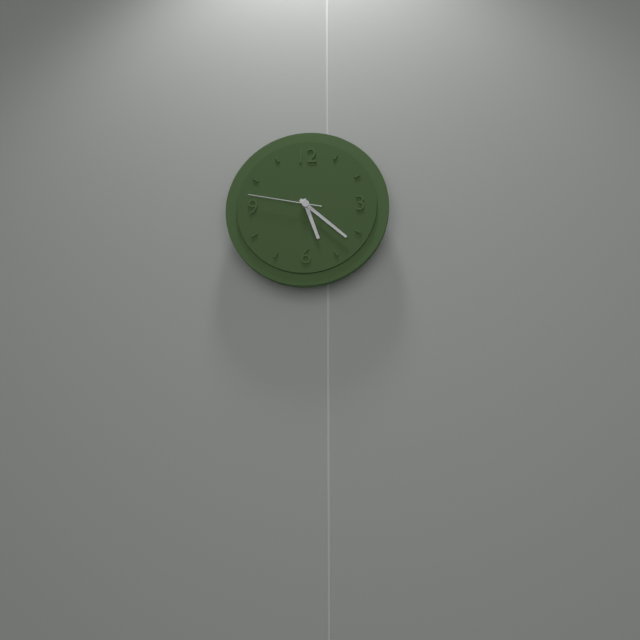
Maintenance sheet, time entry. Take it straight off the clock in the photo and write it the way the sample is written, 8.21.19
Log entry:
5.22.47
